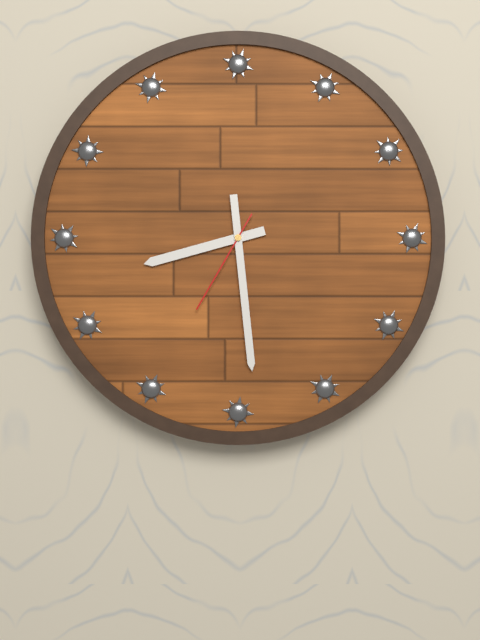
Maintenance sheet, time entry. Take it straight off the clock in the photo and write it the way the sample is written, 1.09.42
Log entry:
8.29.35
